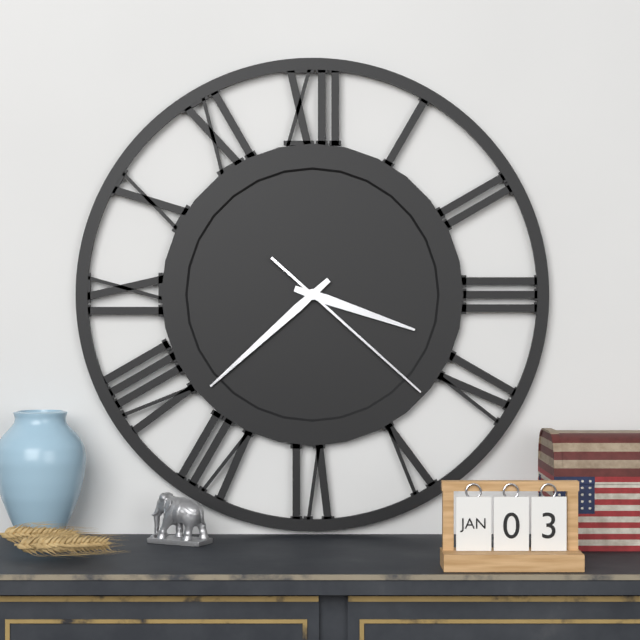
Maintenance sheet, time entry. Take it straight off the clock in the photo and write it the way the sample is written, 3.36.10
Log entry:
3.38.22
